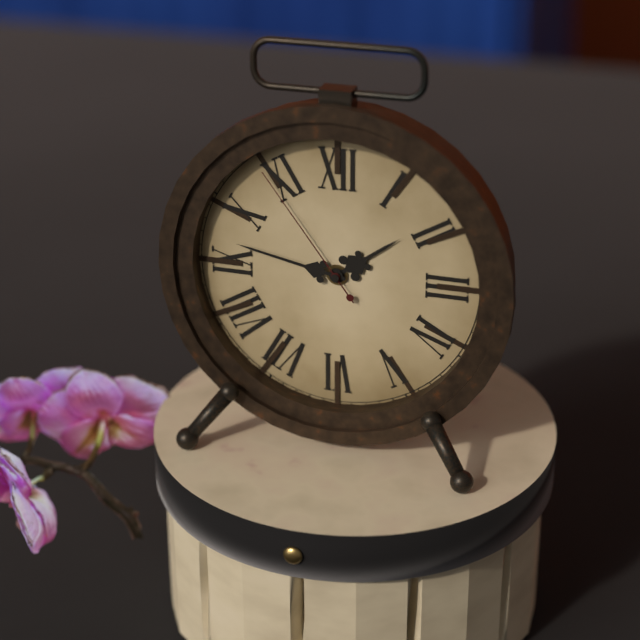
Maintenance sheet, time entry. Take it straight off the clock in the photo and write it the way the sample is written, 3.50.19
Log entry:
1.47.54
